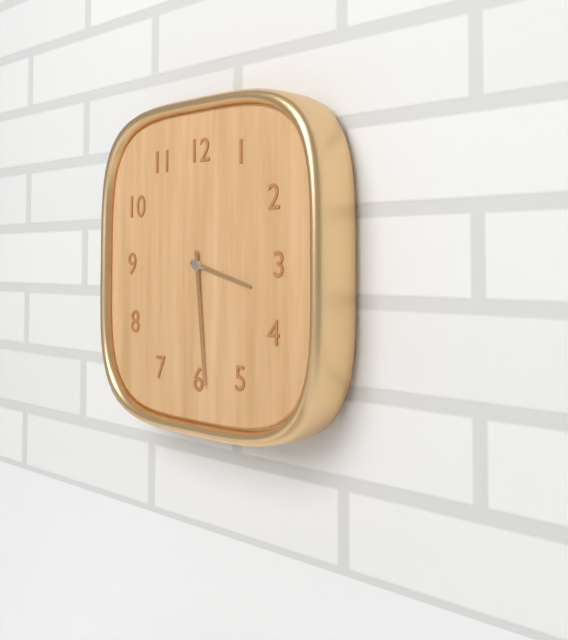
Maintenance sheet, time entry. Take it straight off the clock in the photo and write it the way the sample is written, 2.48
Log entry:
3.29
